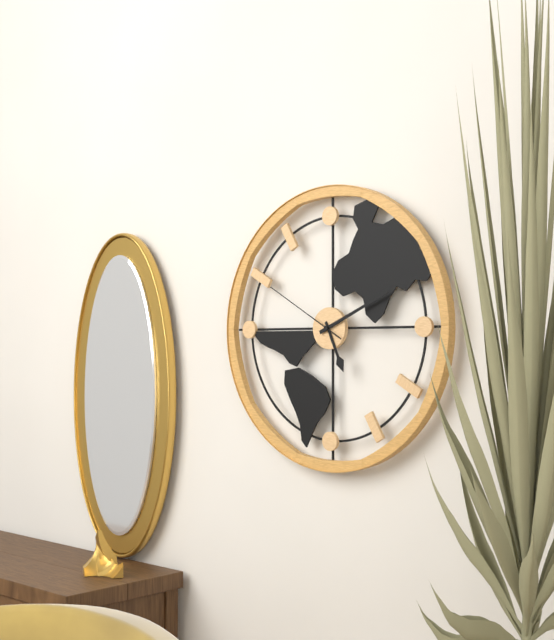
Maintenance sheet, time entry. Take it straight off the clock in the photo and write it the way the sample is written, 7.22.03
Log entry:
5.11.50
